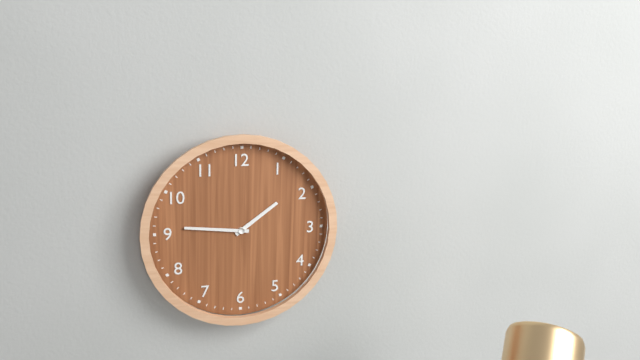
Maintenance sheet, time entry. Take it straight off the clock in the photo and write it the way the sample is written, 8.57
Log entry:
1.46
